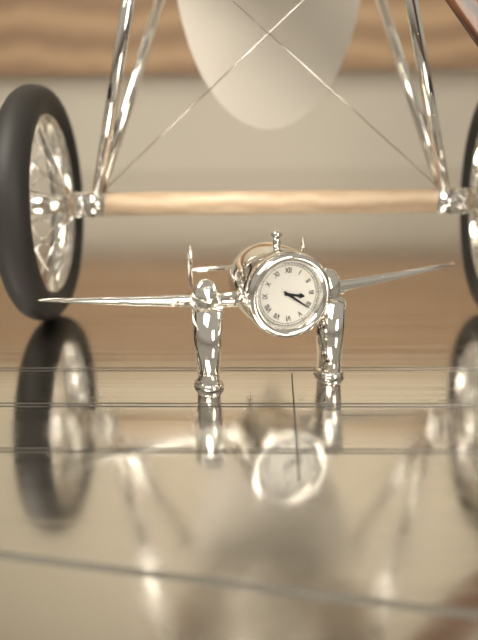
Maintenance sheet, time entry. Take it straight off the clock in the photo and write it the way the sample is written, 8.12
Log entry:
3.21
